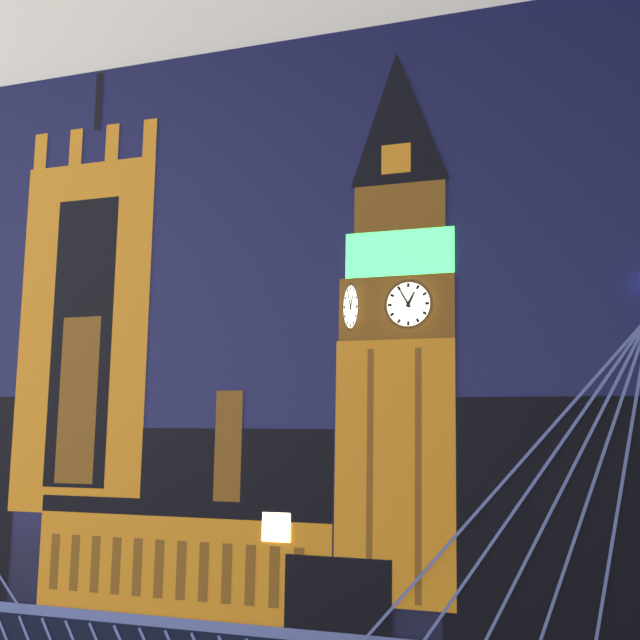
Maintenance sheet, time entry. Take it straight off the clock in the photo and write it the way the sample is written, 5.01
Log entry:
12.55
